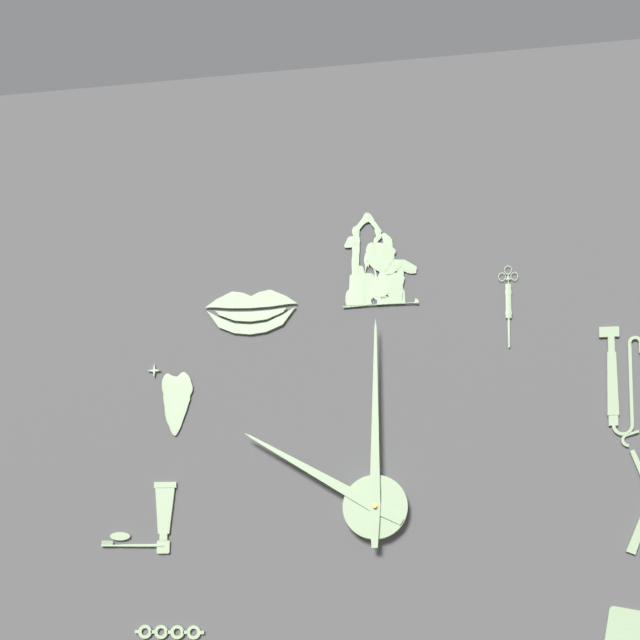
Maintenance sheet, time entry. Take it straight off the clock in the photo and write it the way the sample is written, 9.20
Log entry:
10.00
